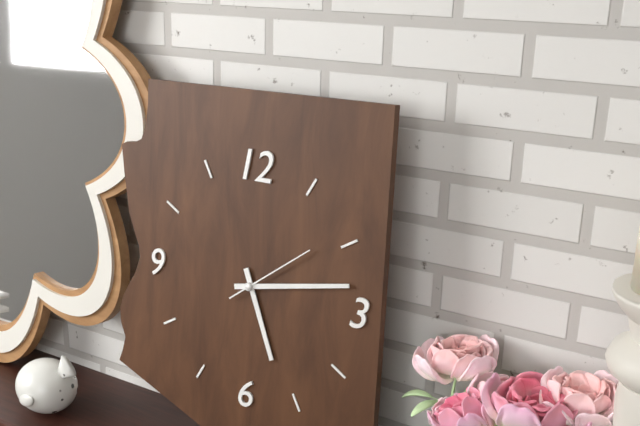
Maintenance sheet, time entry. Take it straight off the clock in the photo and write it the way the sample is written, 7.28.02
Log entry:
5.13.09
